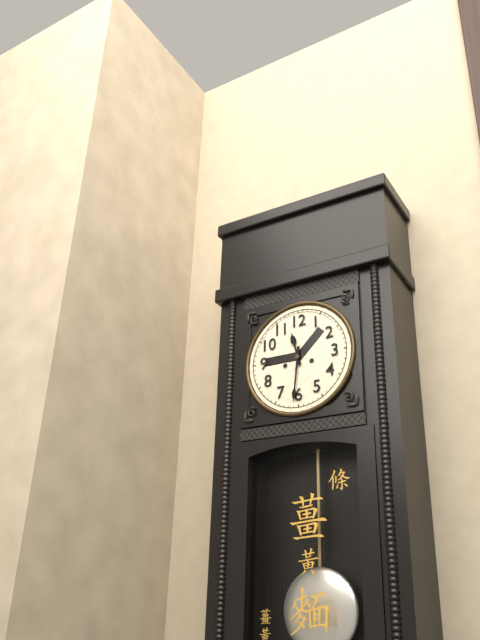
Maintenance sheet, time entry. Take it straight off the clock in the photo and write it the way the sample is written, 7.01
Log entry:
11.31
